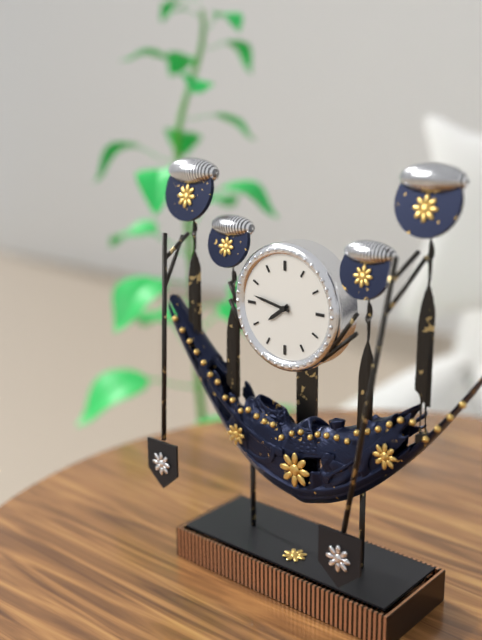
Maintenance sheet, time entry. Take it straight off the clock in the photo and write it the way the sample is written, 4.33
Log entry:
7.47
